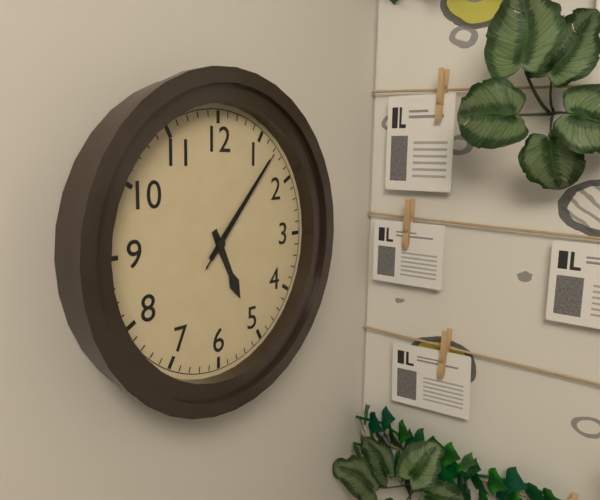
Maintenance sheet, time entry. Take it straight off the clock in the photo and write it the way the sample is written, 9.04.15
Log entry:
5.07.07
